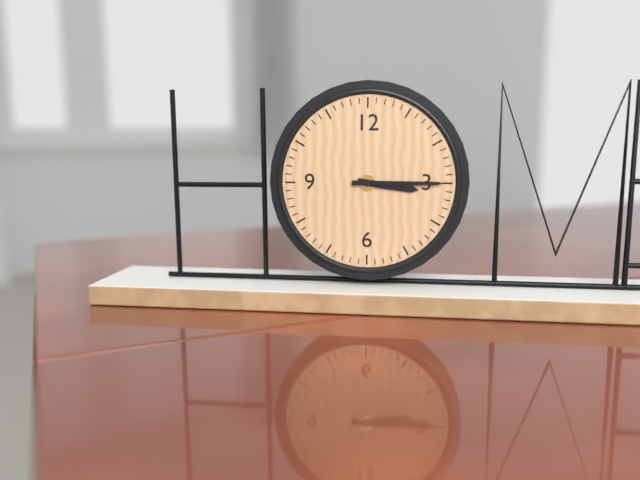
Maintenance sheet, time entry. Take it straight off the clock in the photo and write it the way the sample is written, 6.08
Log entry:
3.15
